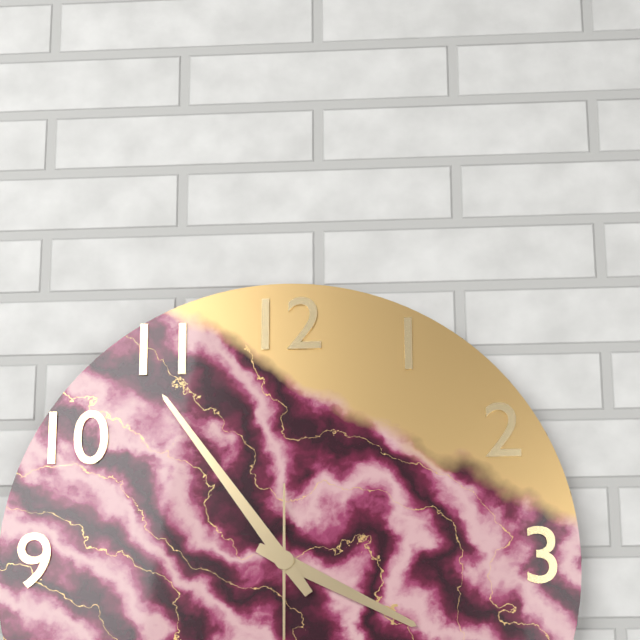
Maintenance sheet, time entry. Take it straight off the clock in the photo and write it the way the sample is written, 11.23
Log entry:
3.54
